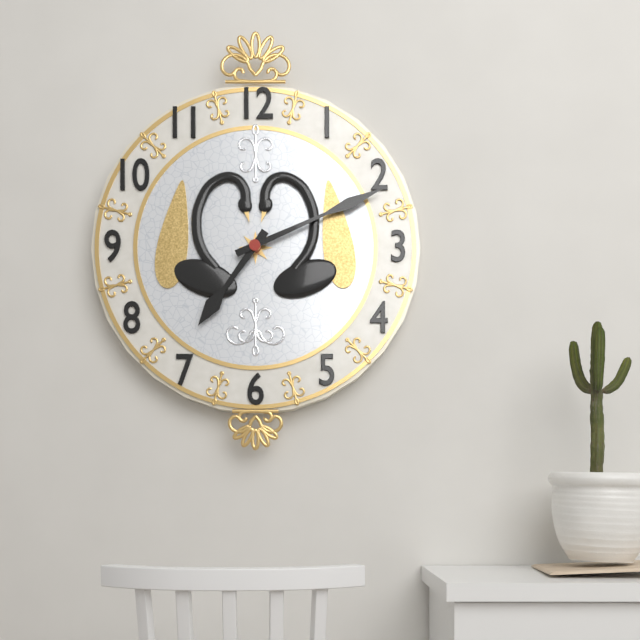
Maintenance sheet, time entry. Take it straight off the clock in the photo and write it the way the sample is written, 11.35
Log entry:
7.11
